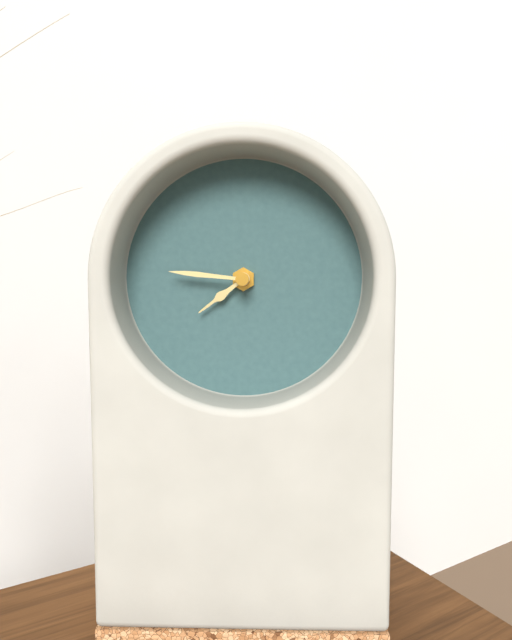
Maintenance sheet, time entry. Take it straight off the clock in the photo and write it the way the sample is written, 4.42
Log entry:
7.46
